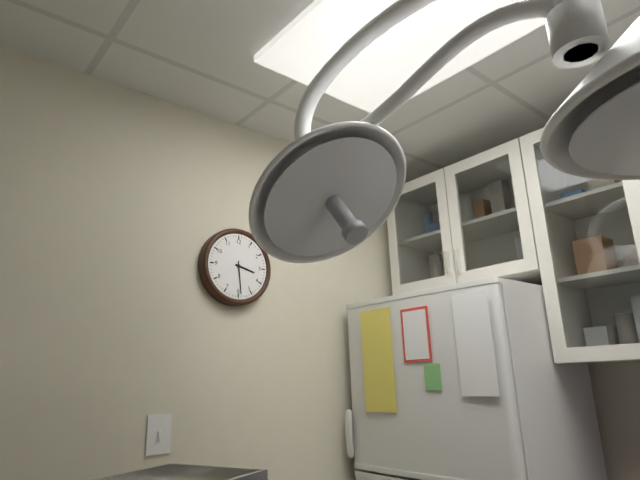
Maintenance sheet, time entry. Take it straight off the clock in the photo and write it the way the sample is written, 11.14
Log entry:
3.29
